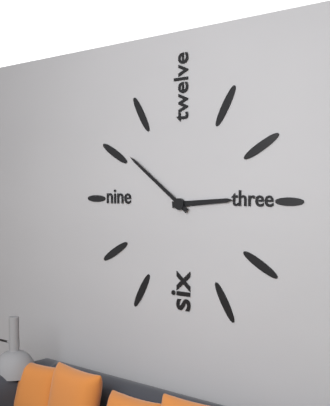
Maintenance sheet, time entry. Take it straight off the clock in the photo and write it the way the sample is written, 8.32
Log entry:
2.51
